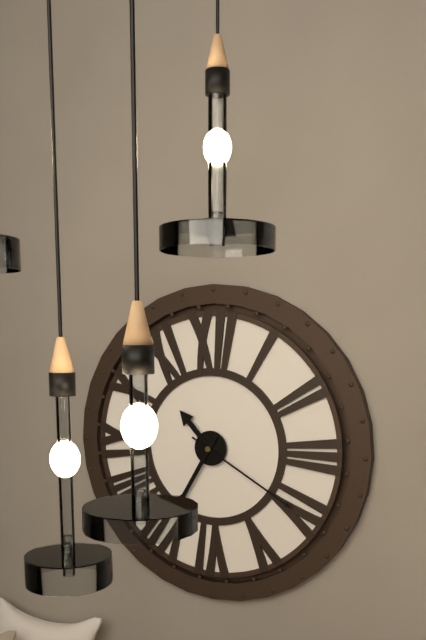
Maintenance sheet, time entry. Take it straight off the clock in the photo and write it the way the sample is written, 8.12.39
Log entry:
10.35.20
